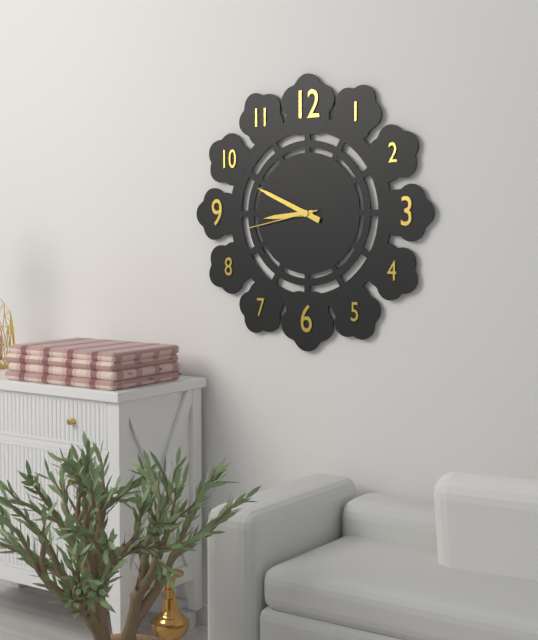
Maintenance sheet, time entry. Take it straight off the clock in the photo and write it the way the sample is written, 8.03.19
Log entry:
8.49.43
